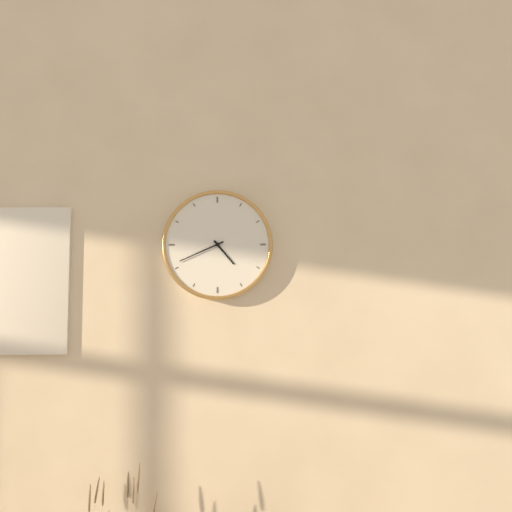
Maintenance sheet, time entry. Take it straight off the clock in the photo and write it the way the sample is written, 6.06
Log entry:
4.41
